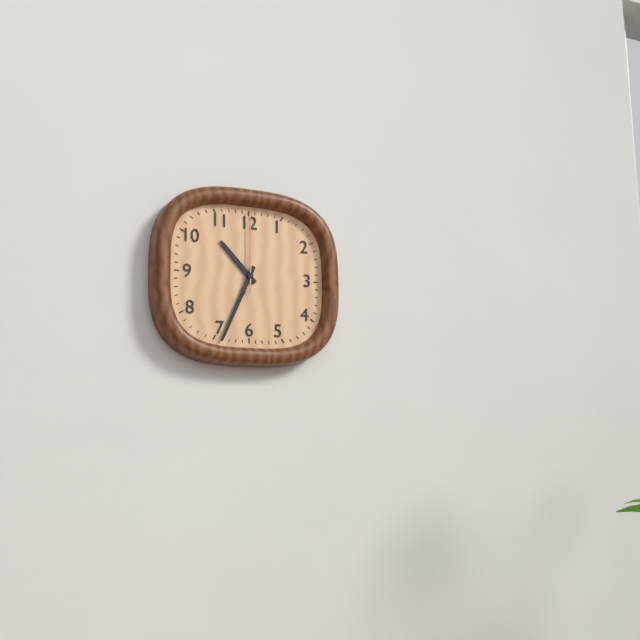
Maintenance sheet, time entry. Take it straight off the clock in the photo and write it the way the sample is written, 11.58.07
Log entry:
10.34.00
